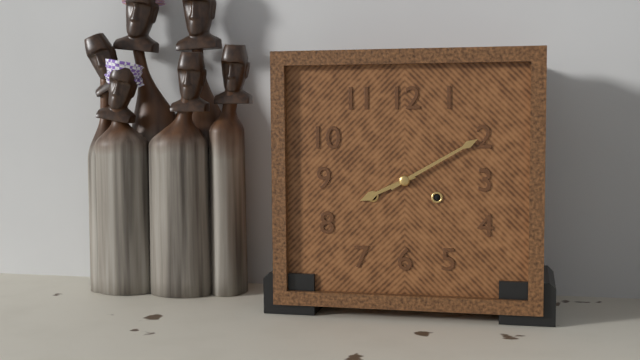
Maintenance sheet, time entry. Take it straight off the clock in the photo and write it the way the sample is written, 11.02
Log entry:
8.10
